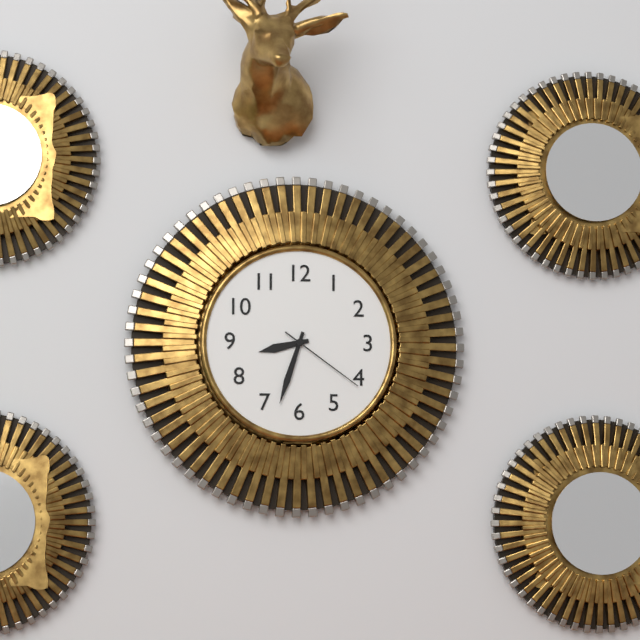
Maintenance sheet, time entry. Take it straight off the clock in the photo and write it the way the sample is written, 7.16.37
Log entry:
8.33.21
